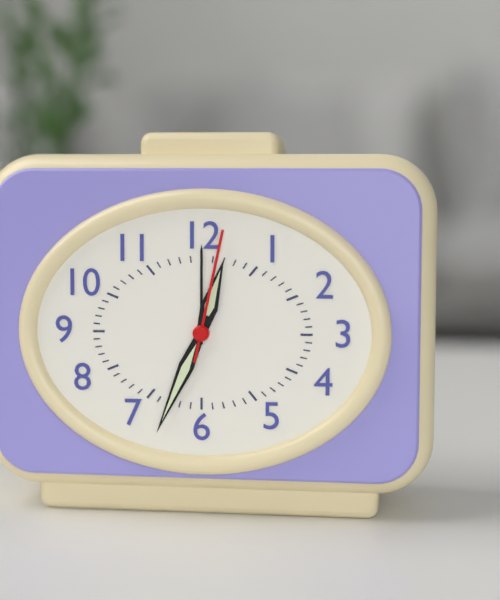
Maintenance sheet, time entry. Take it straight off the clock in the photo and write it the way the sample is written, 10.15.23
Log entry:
12.34.02
